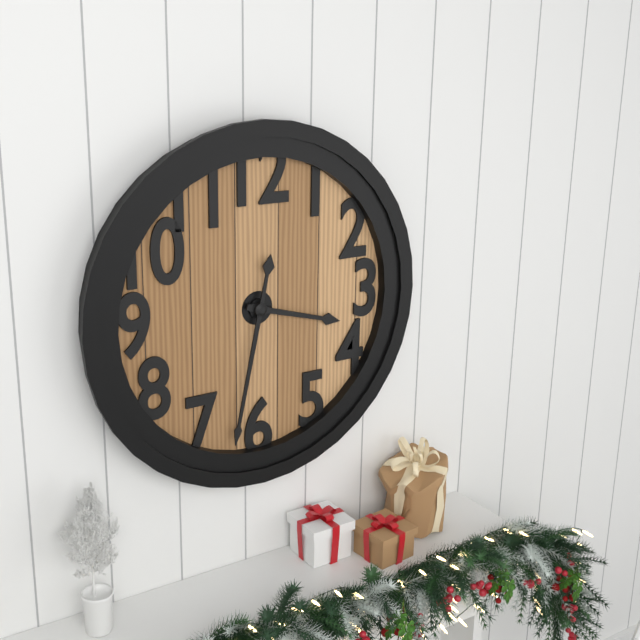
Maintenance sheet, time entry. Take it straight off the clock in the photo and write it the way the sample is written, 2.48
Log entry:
3.32
